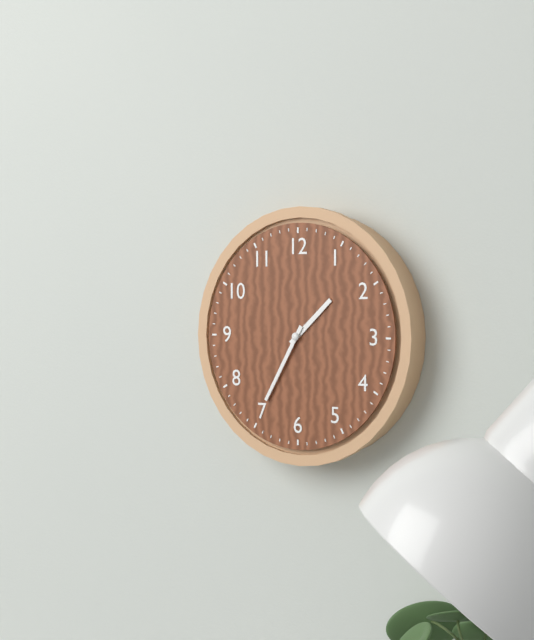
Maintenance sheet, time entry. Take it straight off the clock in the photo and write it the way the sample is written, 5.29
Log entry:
1.35
